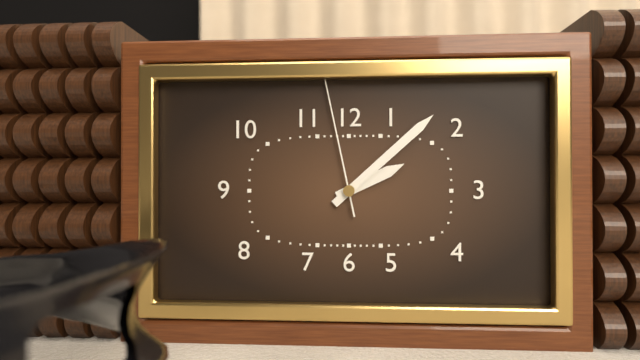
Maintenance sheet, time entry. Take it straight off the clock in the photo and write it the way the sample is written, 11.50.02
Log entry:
2.08.58
